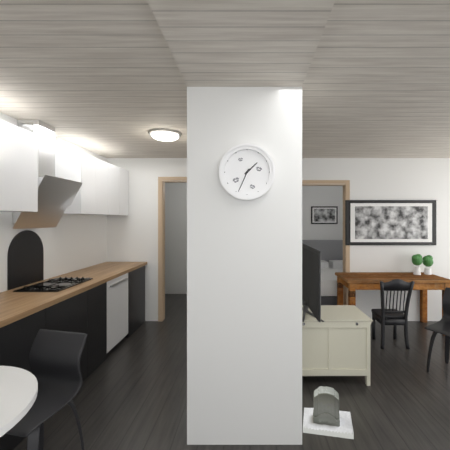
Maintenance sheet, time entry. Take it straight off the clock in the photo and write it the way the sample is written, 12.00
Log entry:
1.34
